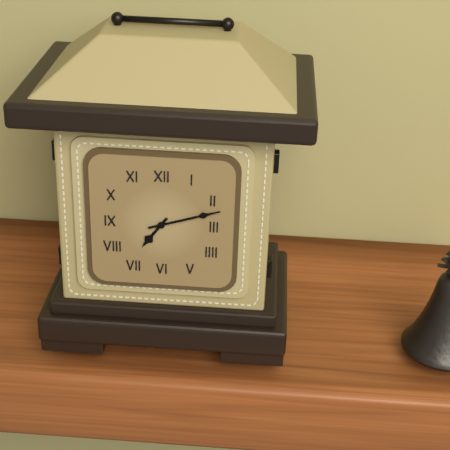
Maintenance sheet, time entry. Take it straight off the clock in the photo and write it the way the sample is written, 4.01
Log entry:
7.12
